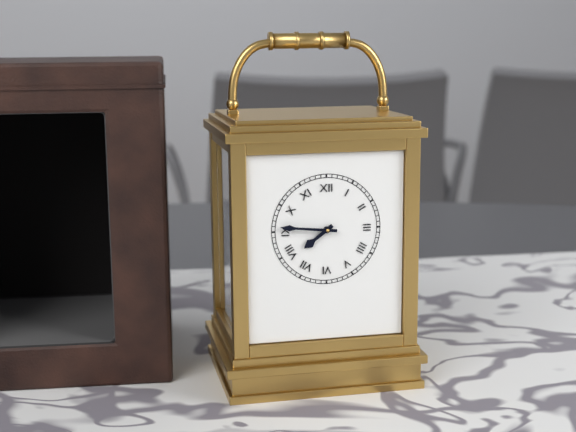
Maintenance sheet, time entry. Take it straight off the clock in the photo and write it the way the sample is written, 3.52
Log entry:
7.46
